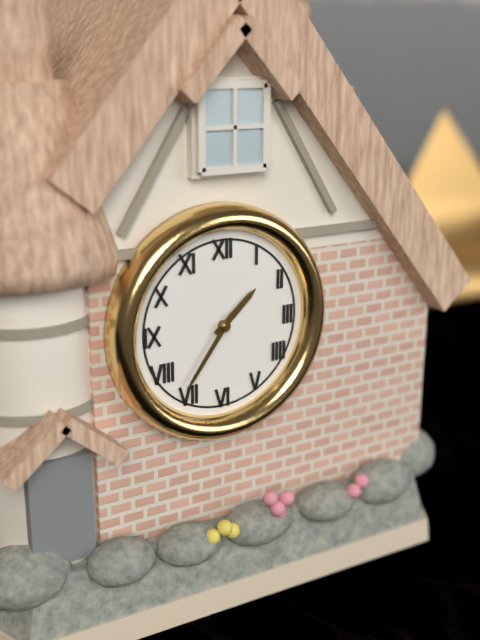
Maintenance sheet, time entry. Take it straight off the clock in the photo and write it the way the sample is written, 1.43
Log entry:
1.36
